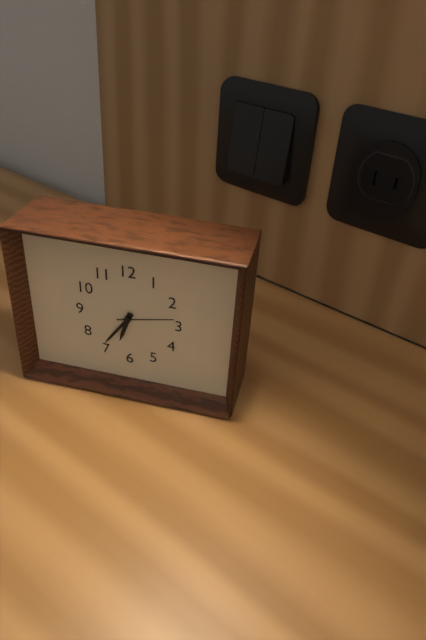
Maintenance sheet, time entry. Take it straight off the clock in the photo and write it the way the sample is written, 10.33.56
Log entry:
6.36.13
